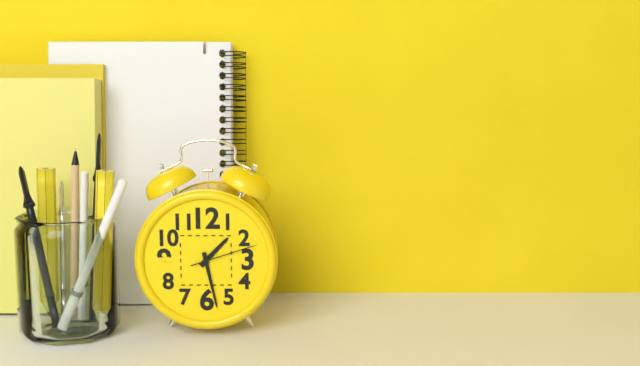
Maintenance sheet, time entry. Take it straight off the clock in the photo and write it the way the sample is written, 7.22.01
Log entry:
1.28.12
